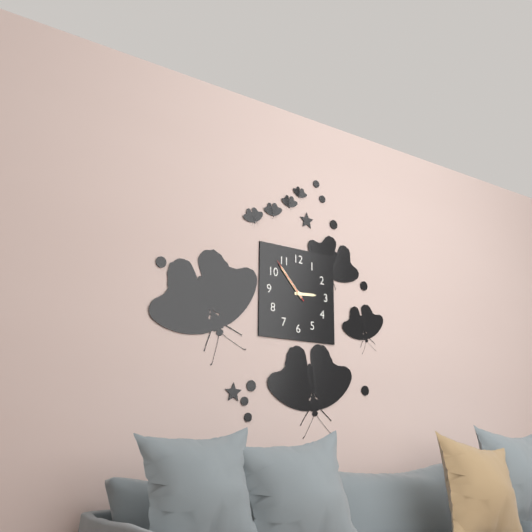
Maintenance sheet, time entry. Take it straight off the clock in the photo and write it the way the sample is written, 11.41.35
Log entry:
2.53.53
